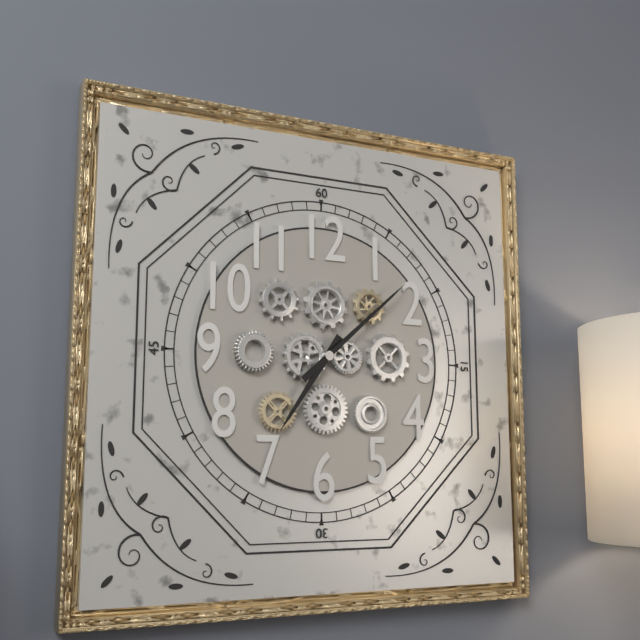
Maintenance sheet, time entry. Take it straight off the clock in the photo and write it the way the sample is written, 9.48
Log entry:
7.08
